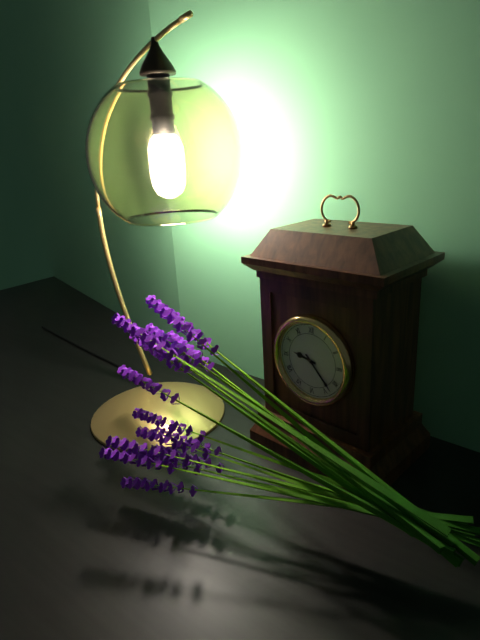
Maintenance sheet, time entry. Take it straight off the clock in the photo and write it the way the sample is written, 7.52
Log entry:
9.23
